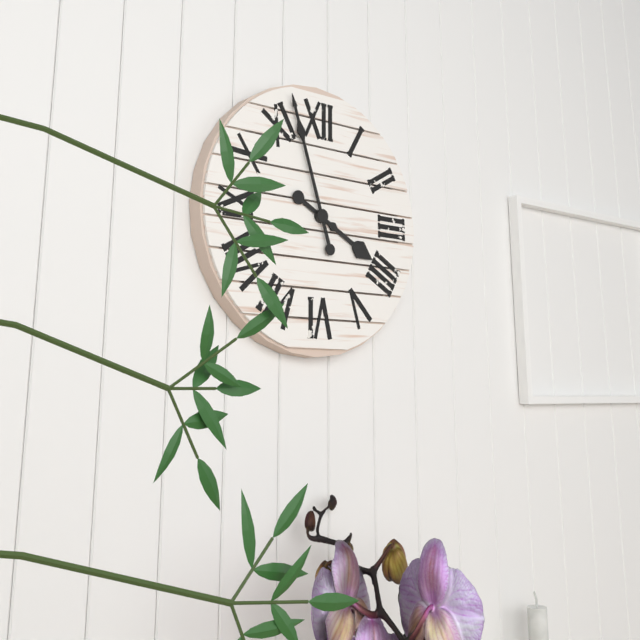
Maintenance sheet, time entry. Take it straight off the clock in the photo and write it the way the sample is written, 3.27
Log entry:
3.57
